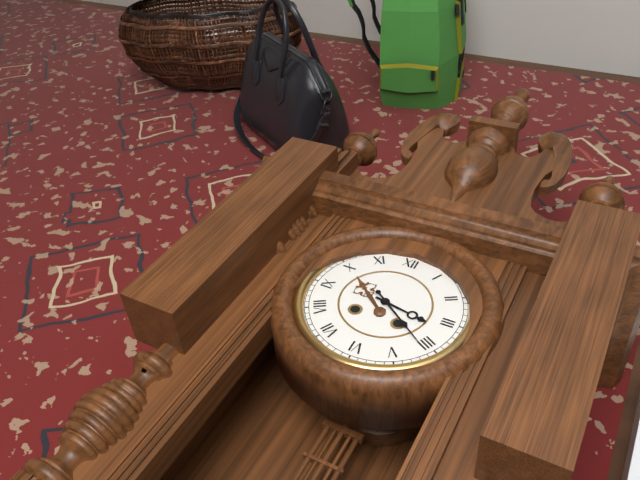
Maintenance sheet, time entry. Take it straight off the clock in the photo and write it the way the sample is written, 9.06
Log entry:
3.21
